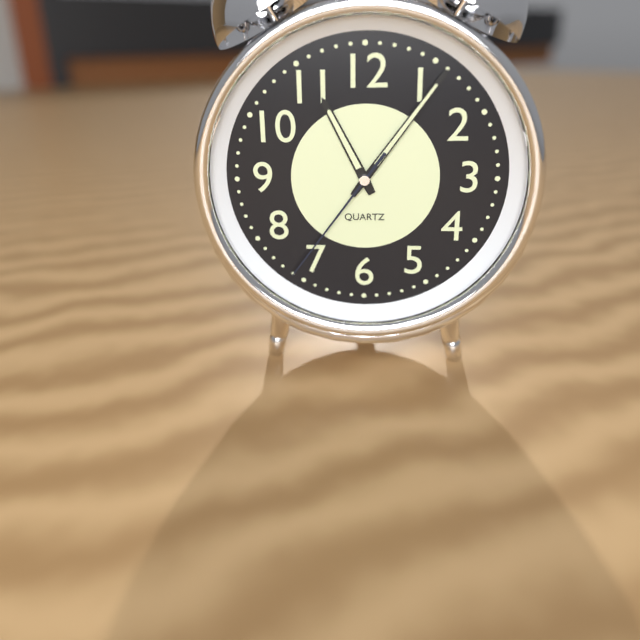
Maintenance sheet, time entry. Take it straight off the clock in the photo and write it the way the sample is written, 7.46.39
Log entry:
11.06.36
